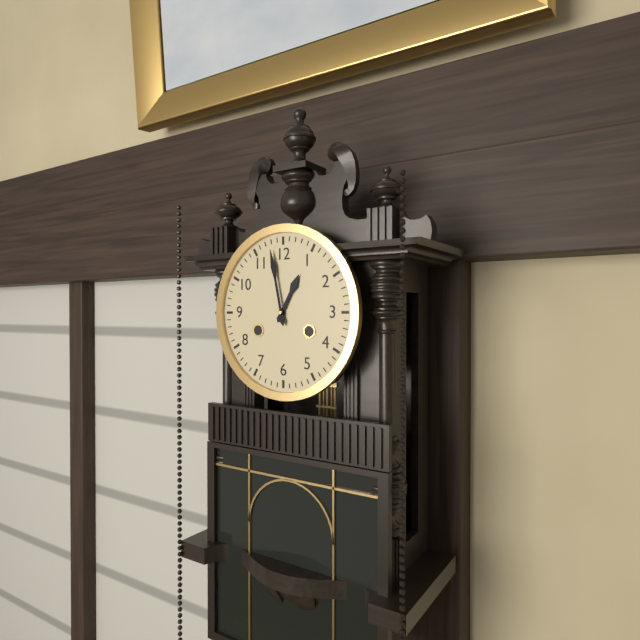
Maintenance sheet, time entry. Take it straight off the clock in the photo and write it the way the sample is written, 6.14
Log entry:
12.58
